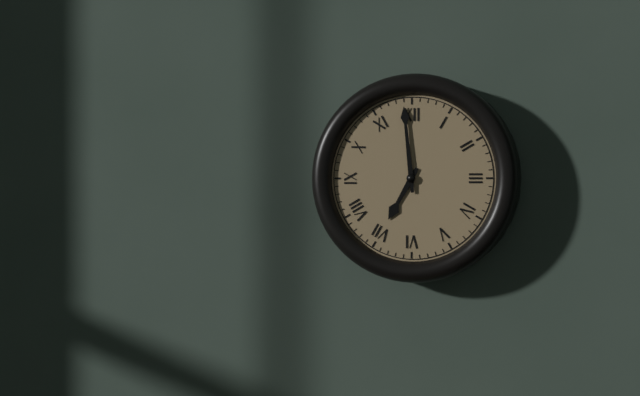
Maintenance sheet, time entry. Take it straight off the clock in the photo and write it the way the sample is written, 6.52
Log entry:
6.59
